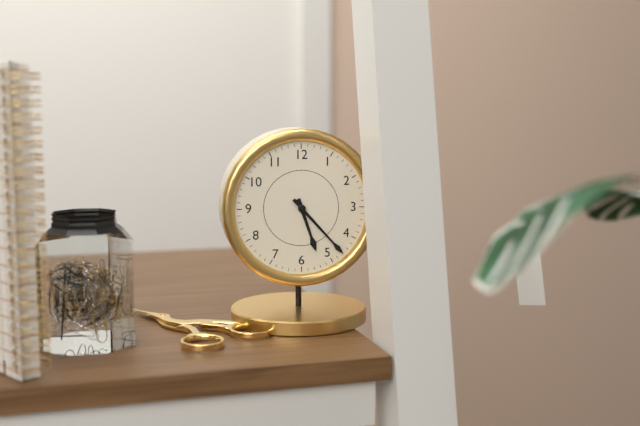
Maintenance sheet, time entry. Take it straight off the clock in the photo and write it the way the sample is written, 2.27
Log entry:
5.23
